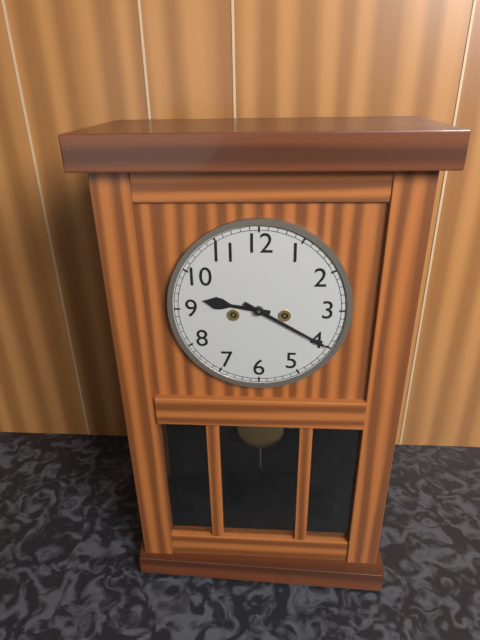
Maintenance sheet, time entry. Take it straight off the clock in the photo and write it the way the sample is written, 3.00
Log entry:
9.20
